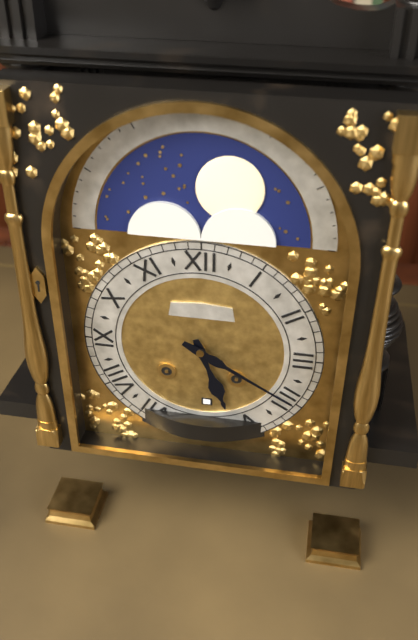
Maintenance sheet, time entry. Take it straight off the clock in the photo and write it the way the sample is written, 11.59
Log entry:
5.20
